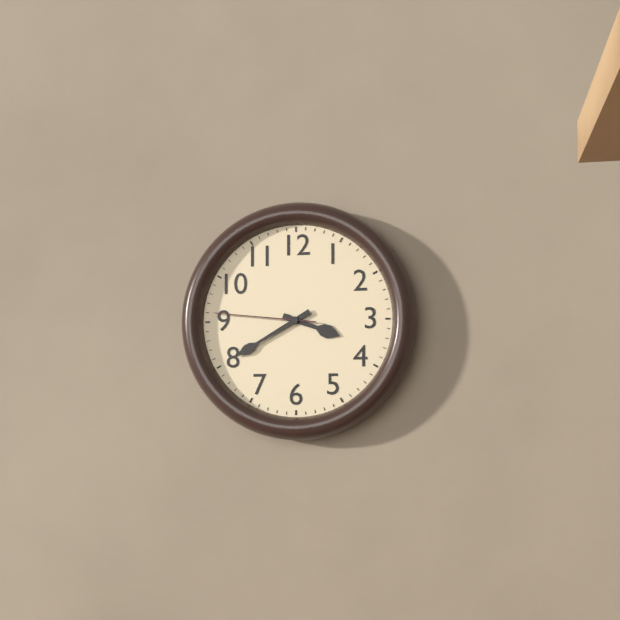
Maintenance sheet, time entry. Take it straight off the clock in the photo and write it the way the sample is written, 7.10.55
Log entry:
3.40.46
